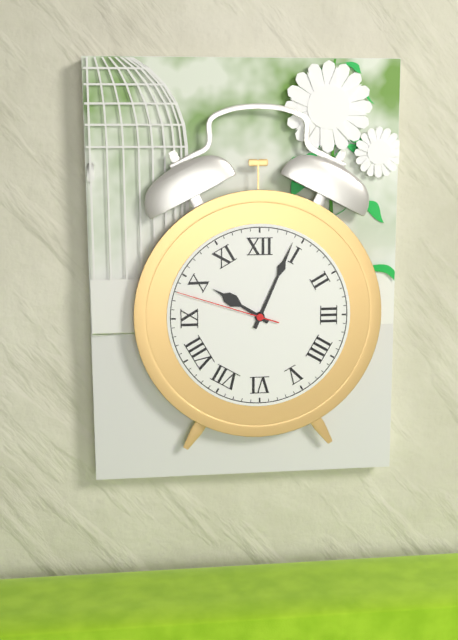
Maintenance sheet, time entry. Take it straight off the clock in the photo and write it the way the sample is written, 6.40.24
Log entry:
10.04.48
